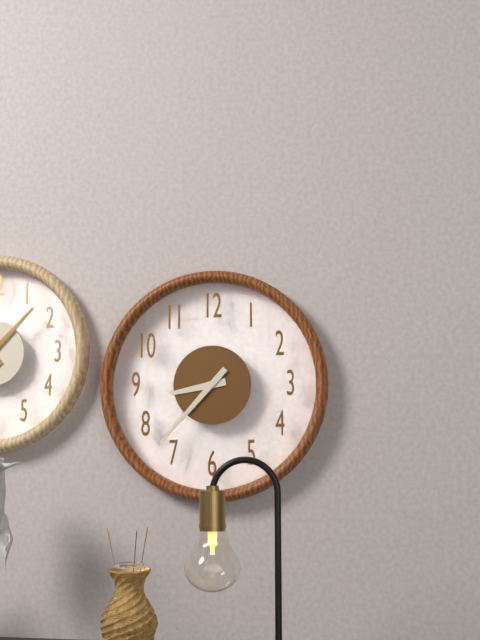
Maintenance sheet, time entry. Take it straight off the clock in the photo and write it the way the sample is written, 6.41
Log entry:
8.37
